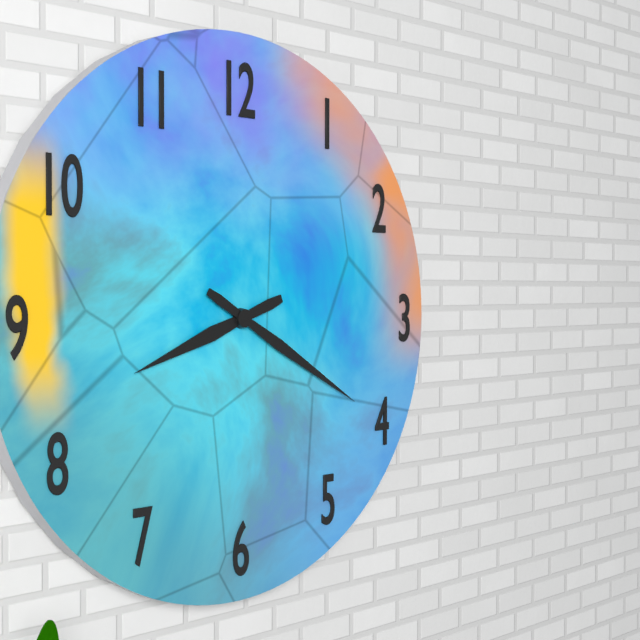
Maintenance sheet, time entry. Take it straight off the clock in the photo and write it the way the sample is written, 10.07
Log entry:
8.20
